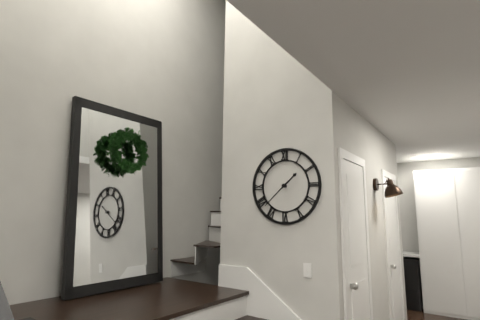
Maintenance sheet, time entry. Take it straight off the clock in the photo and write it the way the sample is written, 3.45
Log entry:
1.38
